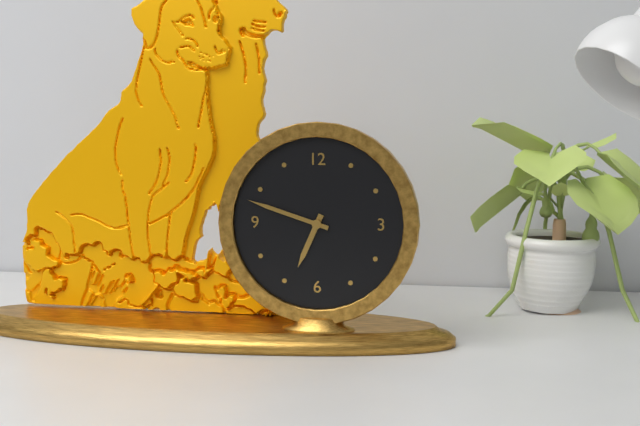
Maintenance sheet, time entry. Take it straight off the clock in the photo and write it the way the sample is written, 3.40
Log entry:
6.48
